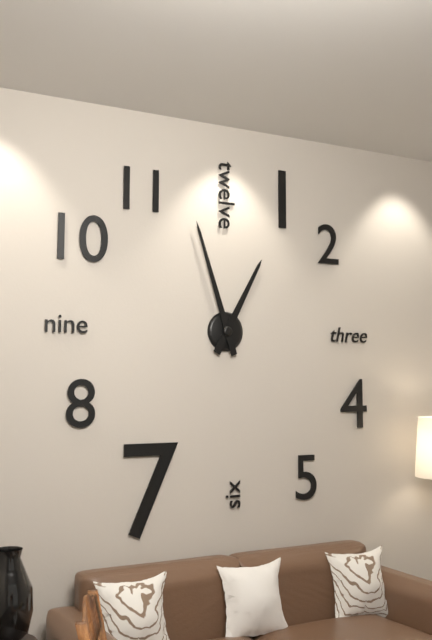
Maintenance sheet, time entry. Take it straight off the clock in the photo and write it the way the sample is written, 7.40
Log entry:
12.57
